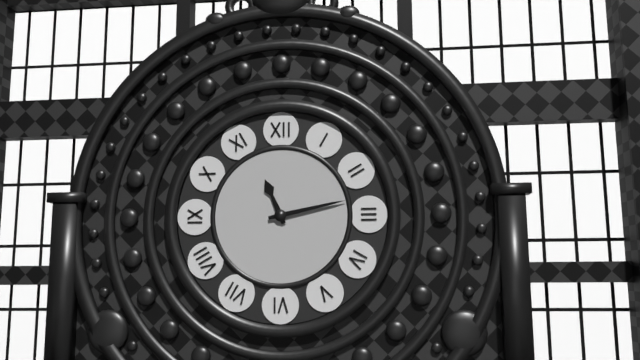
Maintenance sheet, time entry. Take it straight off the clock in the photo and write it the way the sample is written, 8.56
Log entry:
11.13
